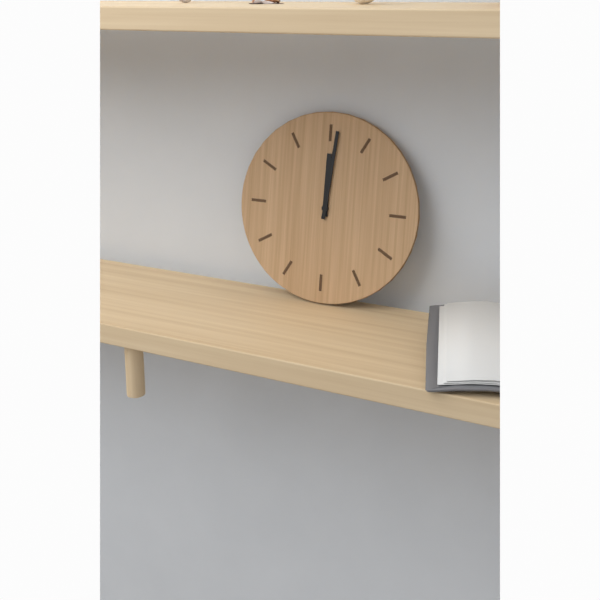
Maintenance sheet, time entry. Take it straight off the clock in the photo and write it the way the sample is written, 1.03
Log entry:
12.01
